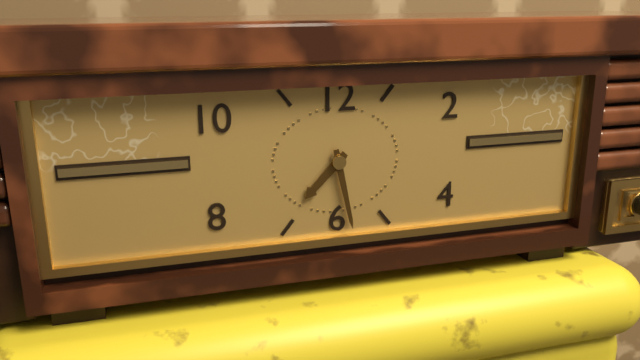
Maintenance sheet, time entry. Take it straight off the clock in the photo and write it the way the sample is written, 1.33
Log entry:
7.28
